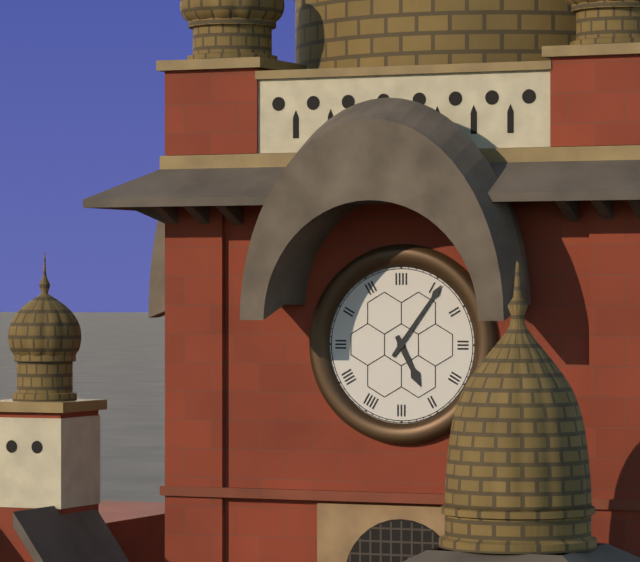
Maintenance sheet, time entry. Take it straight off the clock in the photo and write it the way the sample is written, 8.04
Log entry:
5.06
